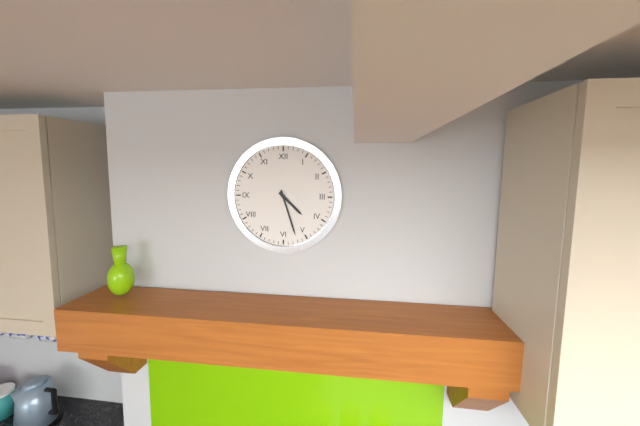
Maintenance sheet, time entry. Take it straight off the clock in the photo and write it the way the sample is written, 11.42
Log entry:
4.27
